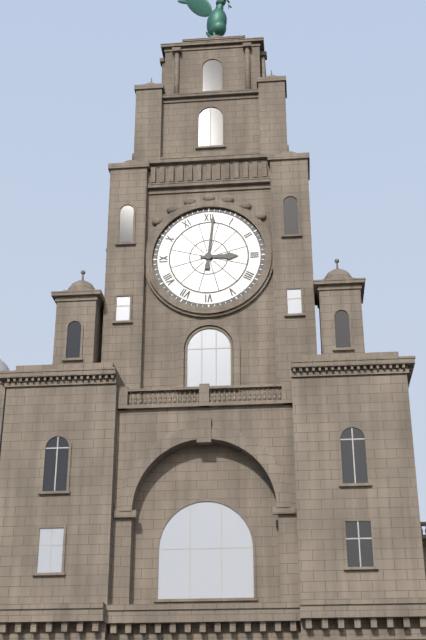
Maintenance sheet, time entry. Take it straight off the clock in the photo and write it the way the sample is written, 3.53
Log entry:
3.01
